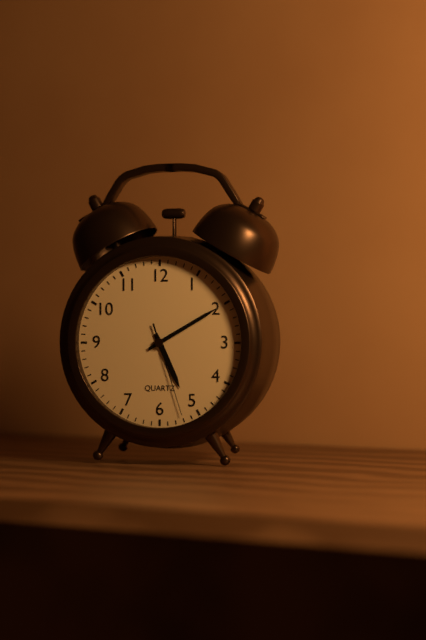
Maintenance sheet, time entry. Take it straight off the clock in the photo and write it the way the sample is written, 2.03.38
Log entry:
5.10.27
